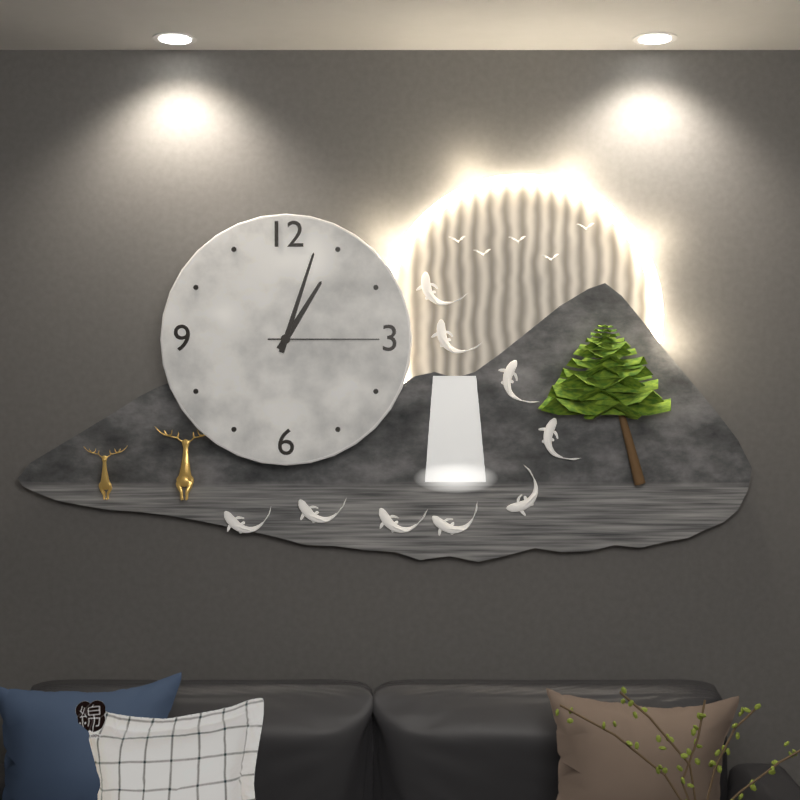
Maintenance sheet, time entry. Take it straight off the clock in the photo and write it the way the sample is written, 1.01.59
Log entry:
1.03.15
